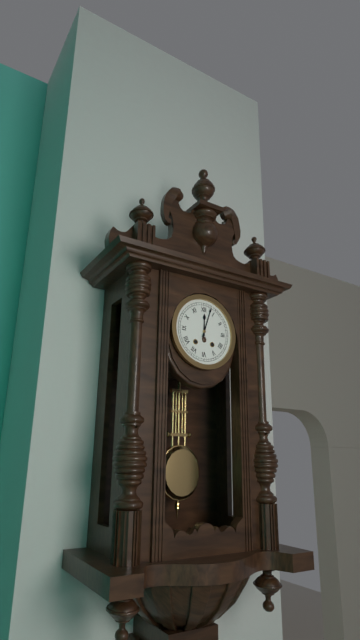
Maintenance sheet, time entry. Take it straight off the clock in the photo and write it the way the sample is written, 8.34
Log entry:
12.03
